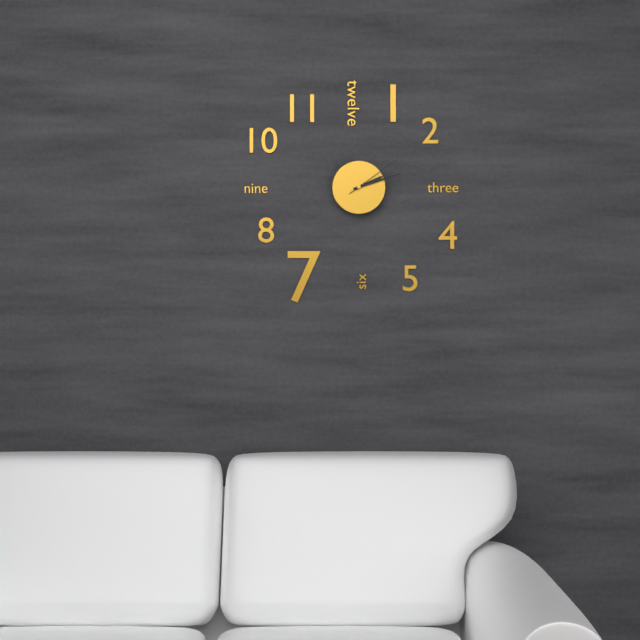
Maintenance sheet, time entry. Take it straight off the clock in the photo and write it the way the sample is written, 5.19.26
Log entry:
2.12.09
